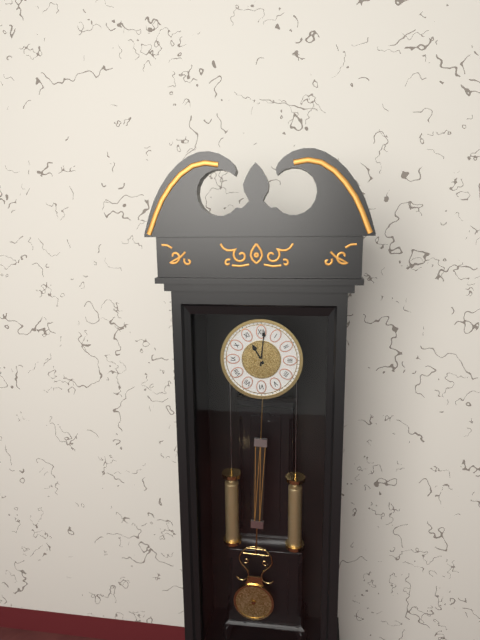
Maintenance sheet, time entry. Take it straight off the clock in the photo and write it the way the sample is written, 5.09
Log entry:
11.01
